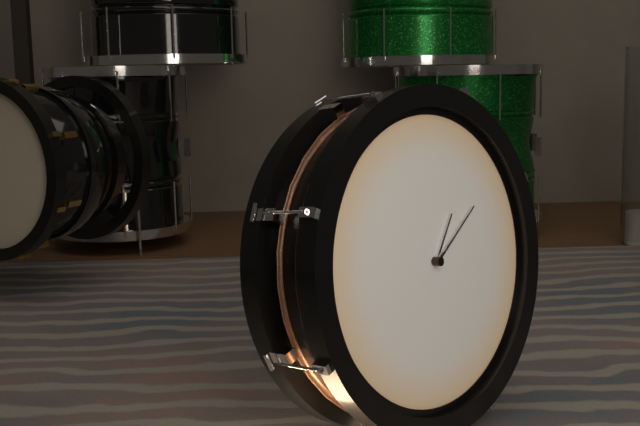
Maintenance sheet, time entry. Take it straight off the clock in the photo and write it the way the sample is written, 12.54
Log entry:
1.09
